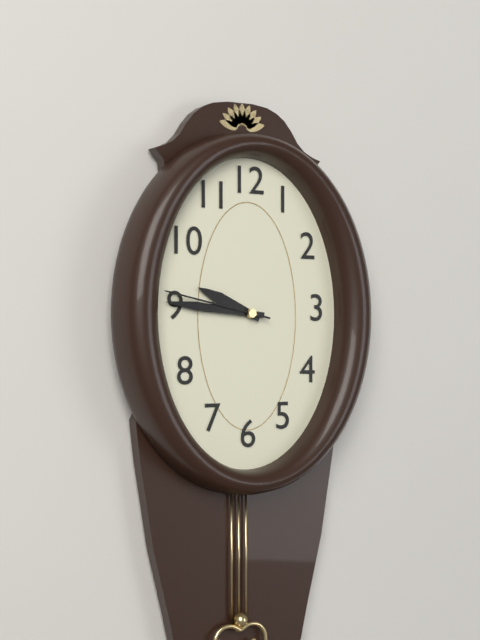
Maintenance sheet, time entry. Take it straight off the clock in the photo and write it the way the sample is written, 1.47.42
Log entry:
9.46.47
